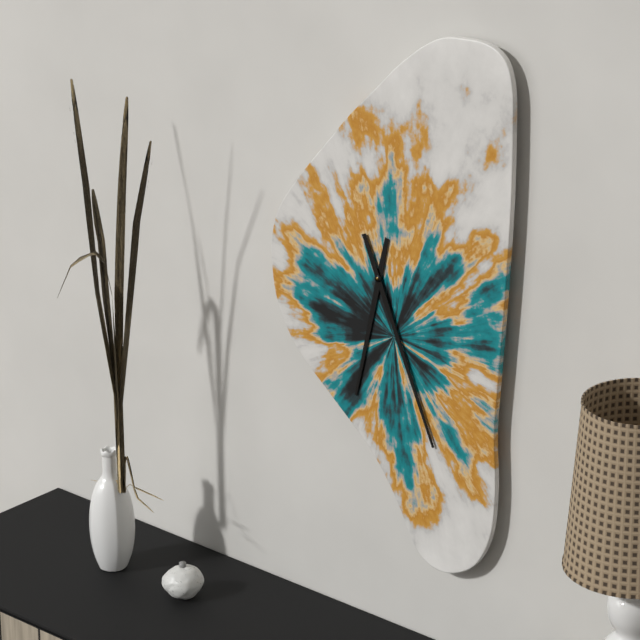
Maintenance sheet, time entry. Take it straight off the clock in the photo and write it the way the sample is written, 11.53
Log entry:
6.26
